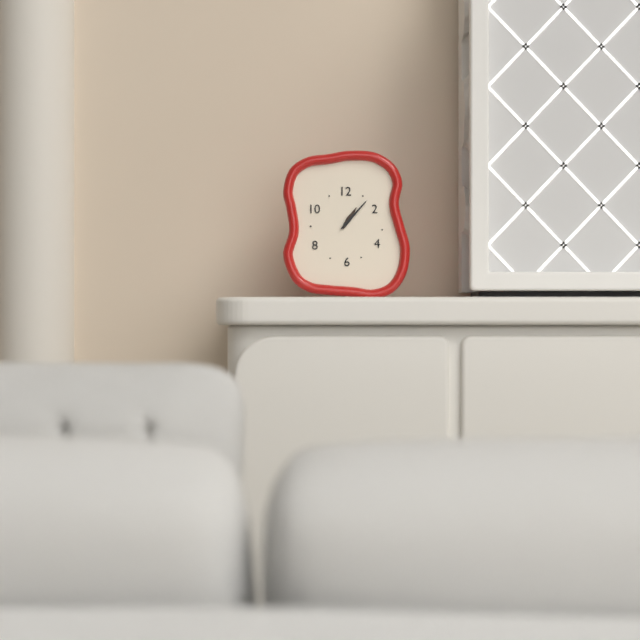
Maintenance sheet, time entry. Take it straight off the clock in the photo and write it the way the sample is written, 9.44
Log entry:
1.07
